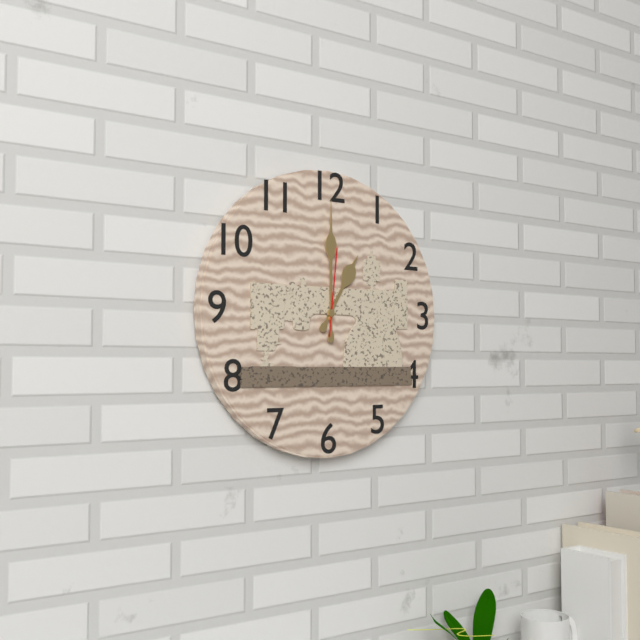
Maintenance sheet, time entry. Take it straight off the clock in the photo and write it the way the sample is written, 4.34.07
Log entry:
1.00.01
